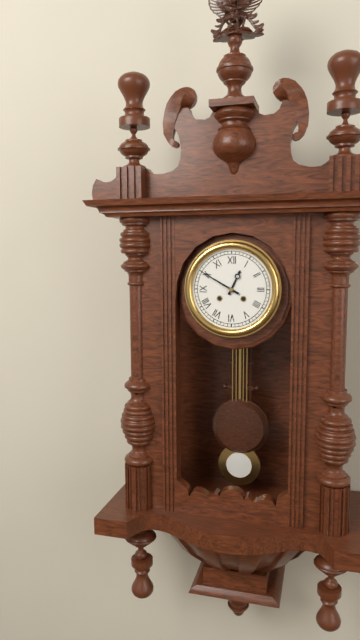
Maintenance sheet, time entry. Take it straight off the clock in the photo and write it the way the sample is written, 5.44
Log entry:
12.50
